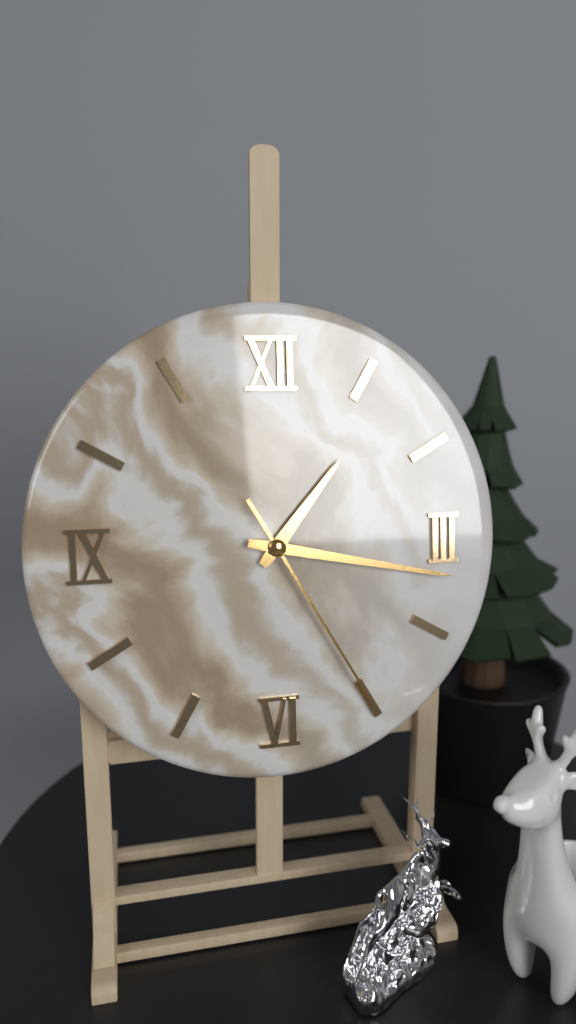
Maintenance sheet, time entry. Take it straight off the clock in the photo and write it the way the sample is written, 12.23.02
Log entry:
1.17.25
